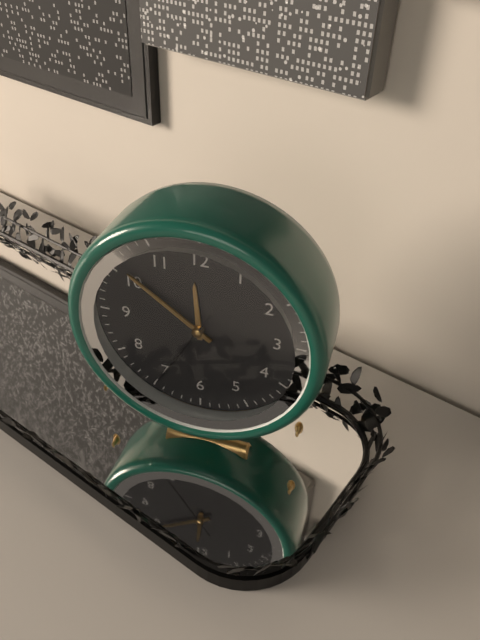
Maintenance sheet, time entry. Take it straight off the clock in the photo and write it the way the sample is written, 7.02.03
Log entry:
11.51.35
